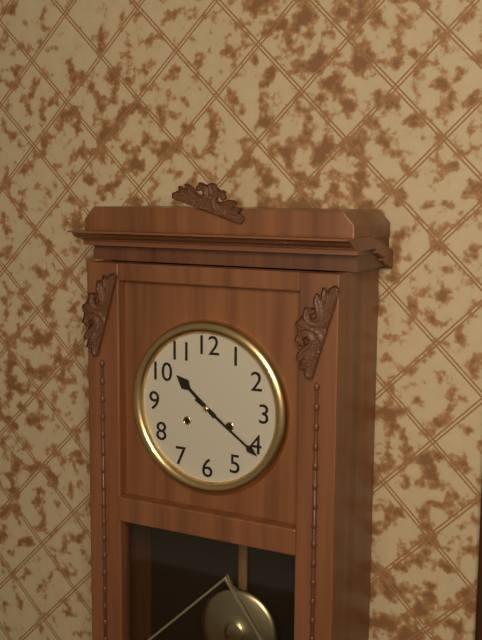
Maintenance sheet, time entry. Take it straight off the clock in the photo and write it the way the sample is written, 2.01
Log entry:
10.21
